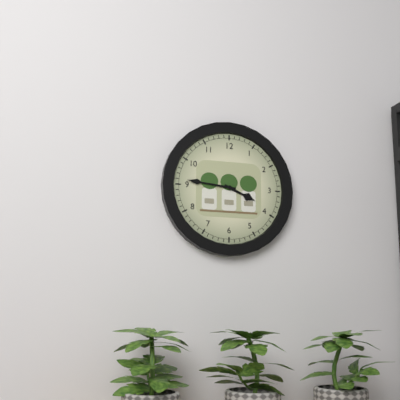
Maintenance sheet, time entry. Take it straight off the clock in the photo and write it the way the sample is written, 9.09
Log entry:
3.46
